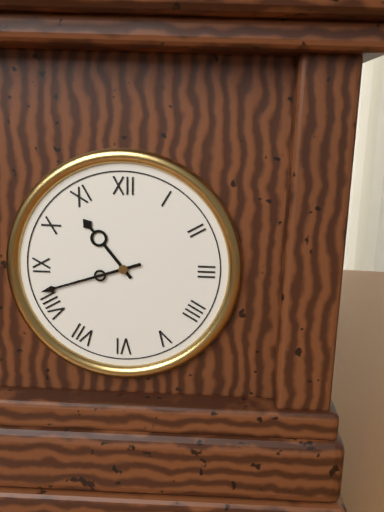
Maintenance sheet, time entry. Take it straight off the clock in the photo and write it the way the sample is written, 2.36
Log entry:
10.42
